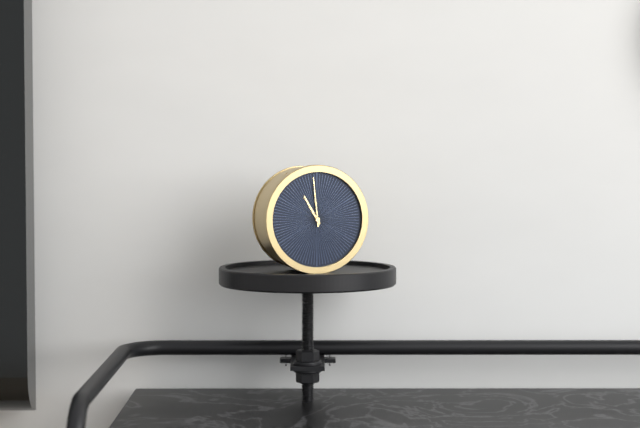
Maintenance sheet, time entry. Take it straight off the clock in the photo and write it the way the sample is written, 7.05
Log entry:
10.59
